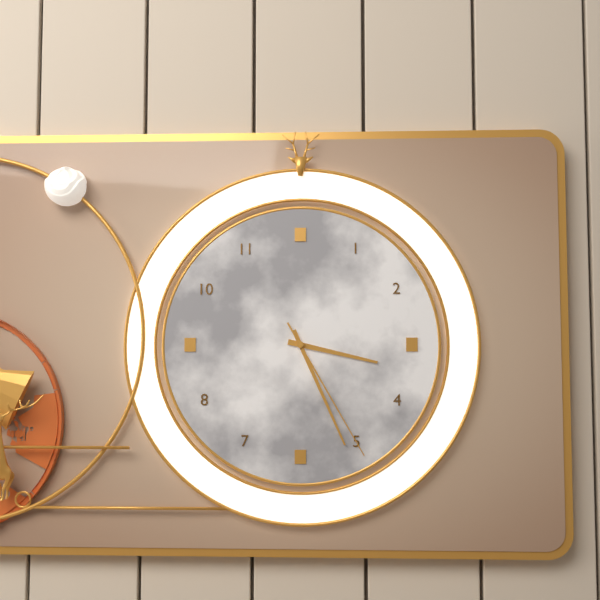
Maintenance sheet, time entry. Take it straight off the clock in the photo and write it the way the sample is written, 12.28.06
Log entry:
3.26.25
